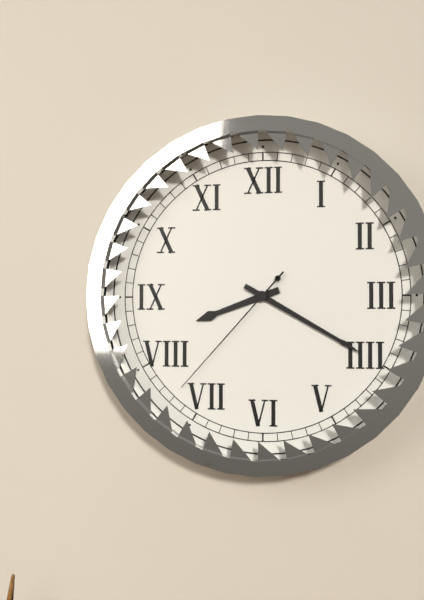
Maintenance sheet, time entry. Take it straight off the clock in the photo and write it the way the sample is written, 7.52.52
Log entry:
8.20.37
